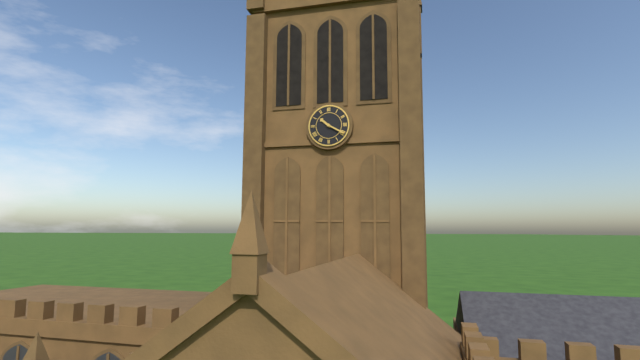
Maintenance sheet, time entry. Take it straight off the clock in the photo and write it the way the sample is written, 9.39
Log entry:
10.20
